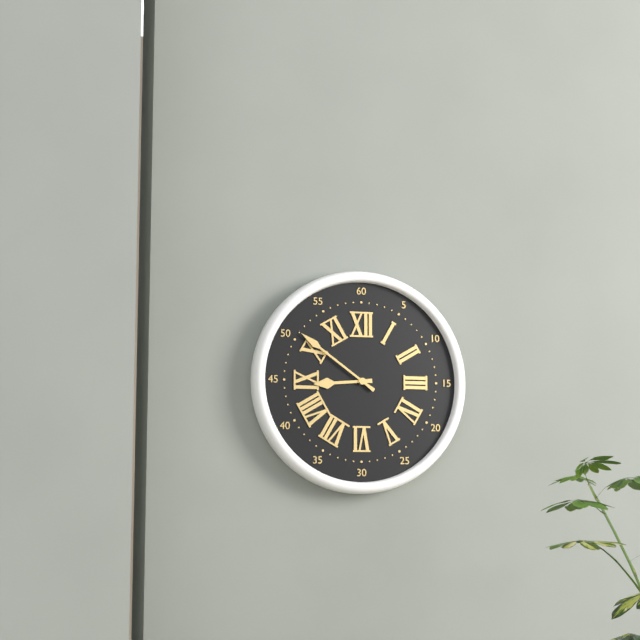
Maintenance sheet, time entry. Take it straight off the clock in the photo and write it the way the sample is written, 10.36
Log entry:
8.51
